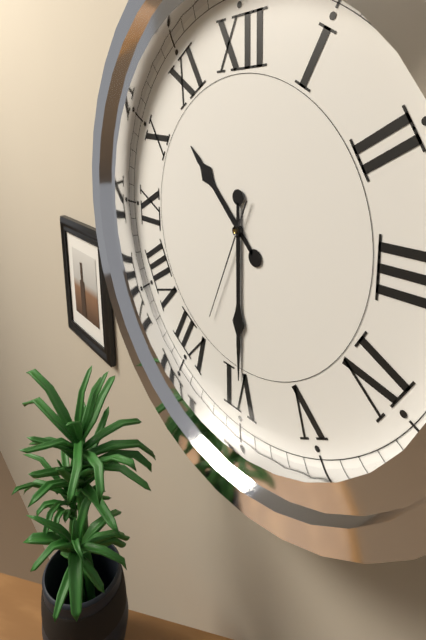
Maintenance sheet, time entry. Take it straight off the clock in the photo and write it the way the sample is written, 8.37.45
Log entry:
10.30.34
